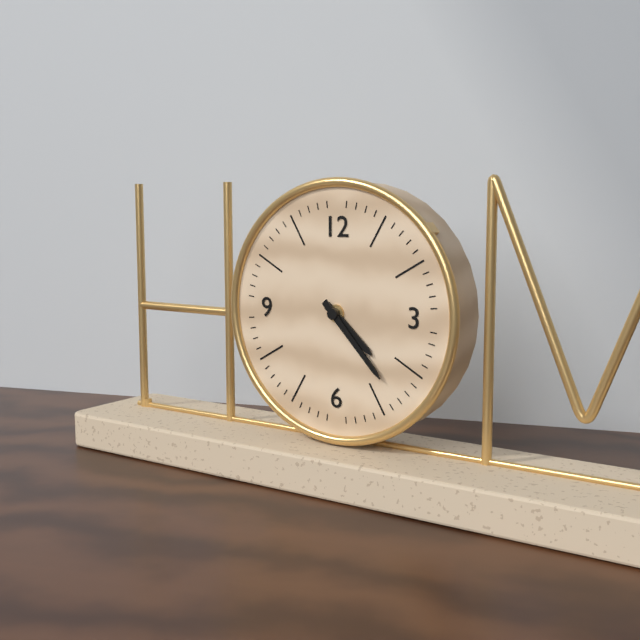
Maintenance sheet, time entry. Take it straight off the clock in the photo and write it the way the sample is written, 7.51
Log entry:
4.23
